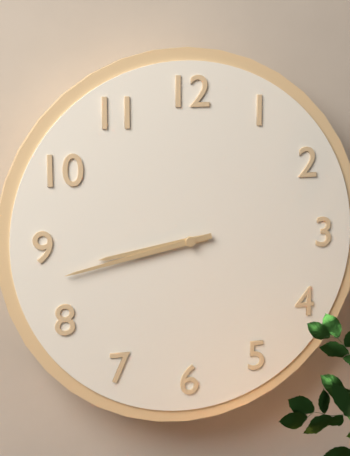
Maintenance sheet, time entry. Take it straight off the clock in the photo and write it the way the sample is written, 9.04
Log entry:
8.43
